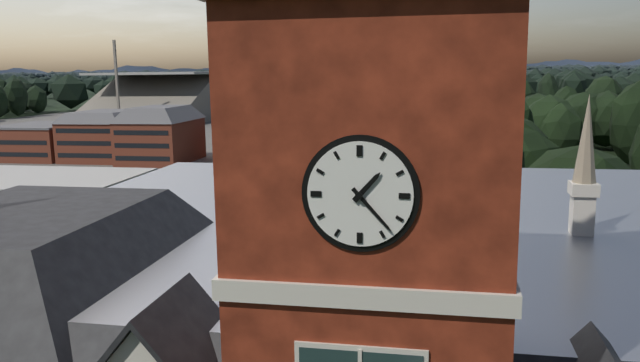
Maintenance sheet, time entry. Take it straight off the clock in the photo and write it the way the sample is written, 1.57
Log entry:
1.23
